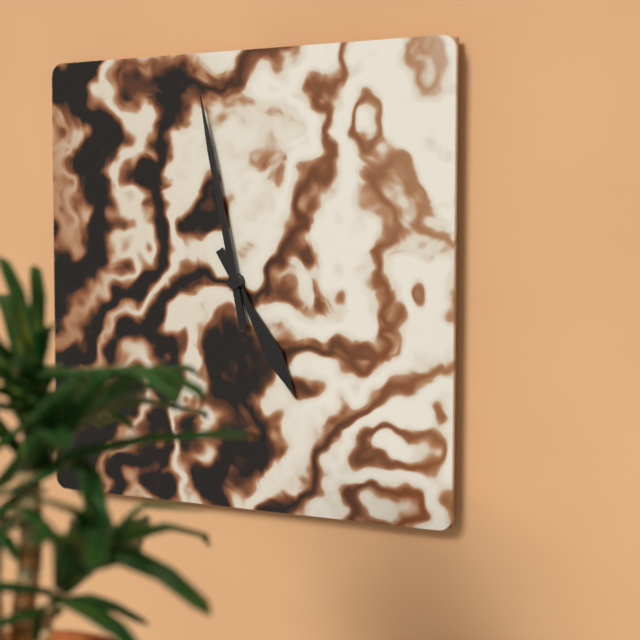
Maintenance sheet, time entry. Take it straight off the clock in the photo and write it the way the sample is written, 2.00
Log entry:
4.58
